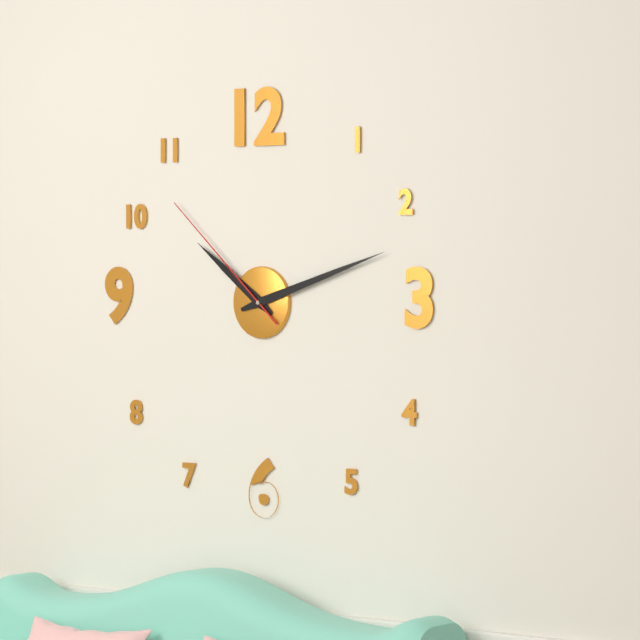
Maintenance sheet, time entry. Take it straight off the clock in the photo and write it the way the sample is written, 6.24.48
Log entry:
10.12.52
